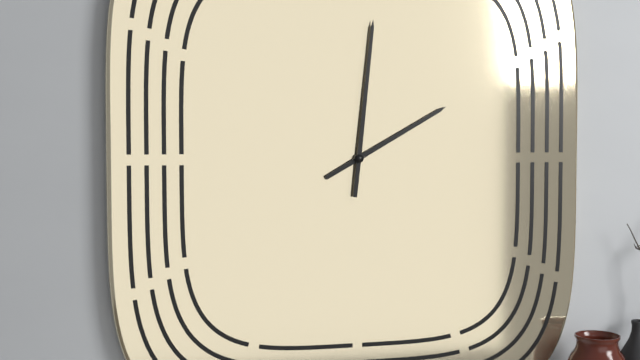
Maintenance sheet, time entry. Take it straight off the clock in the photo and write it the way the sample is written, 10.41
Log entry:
2.01
